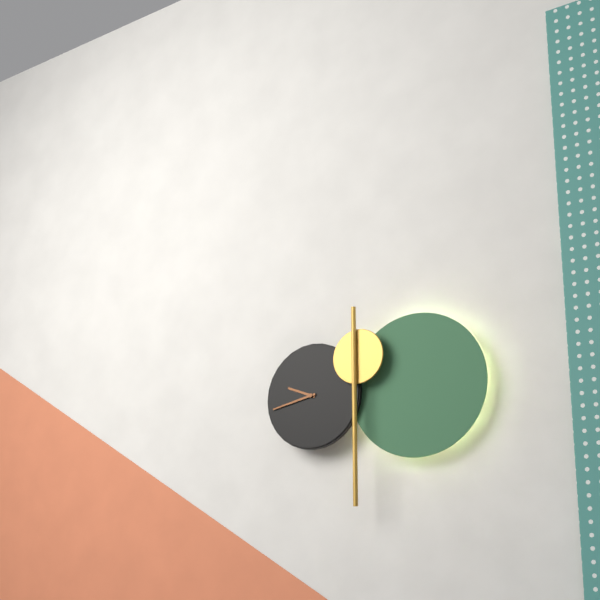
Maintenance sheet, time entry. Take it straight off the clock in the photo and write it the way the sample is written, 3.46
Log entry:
9.43
